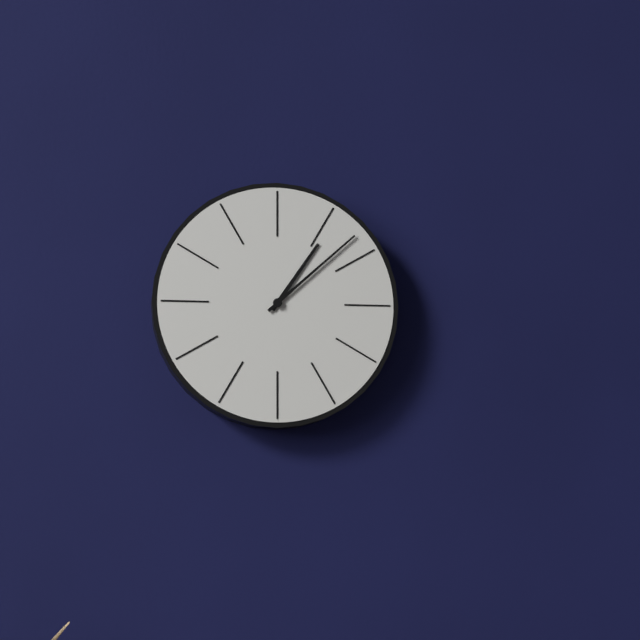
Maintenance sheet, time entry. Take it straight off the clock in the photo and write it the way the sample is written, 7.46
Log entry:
1.08
